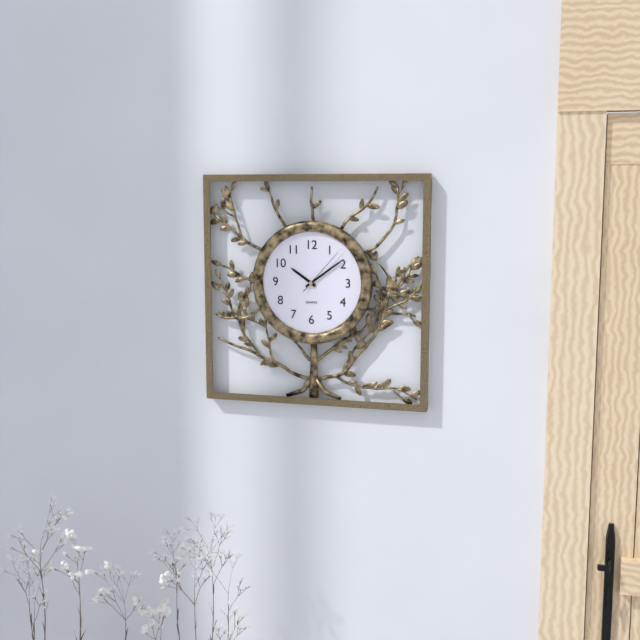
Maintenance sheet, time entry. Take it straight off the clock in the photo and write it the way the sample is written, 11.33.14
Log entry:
10.09.07
